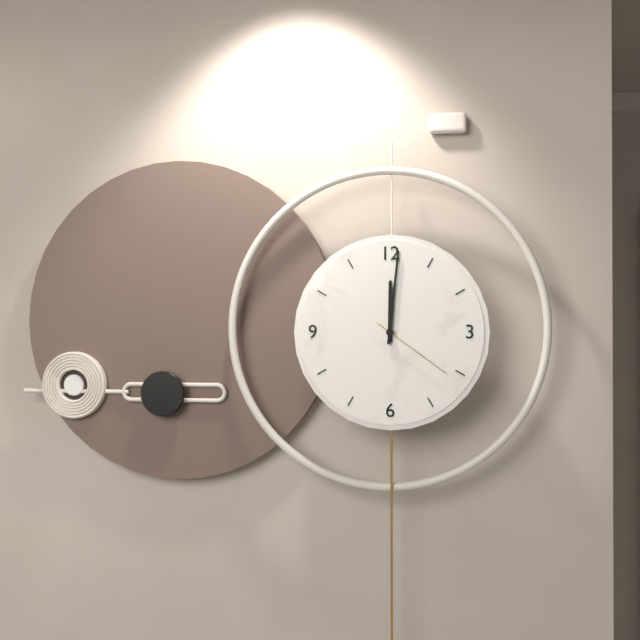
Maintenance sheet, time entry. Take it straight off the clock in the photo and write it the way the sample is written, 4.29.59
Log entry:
12.01.21
